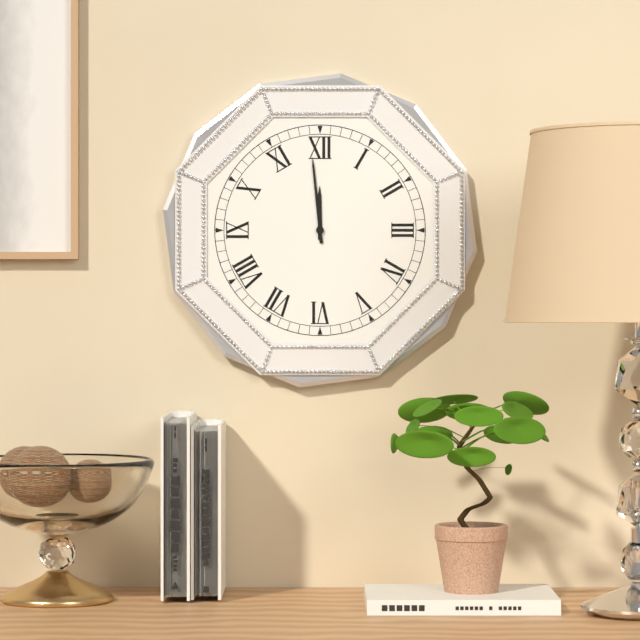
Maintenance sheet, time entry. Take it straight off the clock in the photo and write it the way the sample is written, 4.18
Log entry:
11.59
